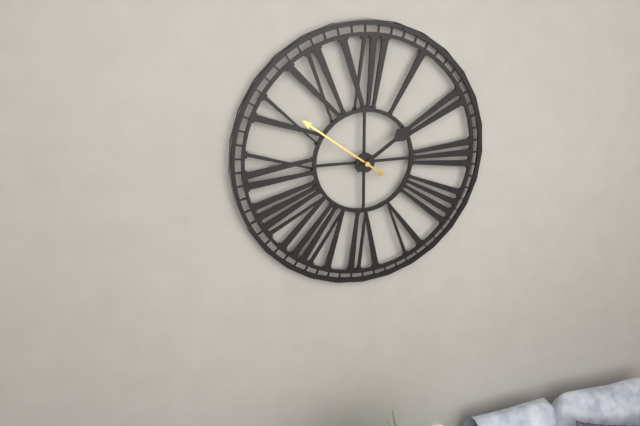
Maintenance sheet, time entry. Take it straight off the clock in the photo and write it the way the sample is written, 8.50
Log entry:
1.51
